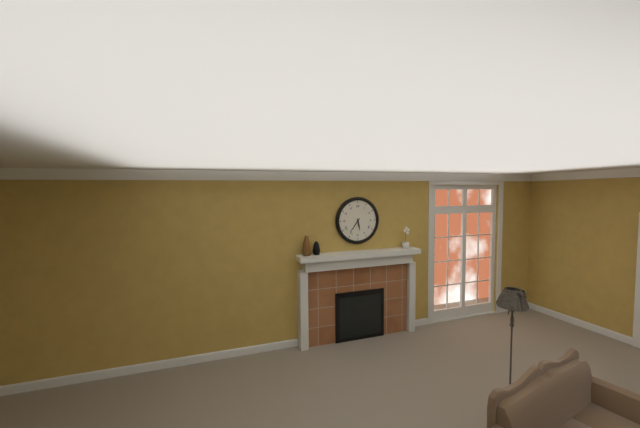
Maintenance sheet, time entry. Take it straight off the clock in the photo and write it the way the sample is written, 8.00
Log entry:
5.36
